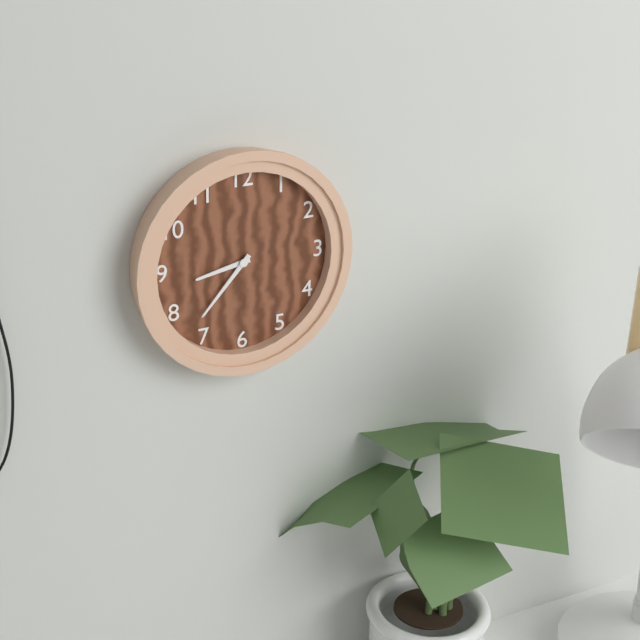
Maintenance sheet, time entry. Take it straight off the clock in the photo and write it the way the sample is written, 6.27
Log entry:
8.37
